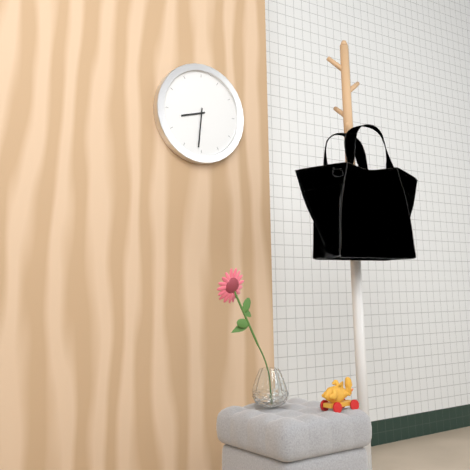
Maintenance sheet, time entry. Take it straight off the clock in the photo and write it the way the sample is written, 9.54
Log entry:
8.31
